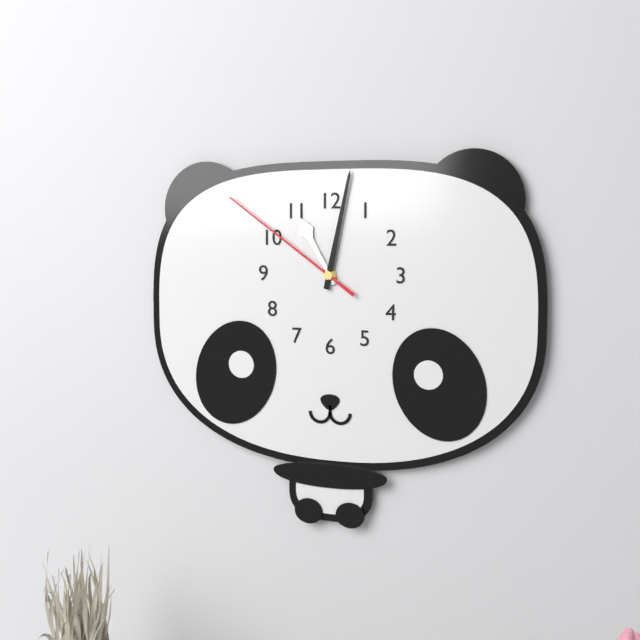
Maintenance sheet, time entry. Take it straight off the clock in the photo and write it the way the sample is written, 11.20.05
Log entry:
11.02.51
